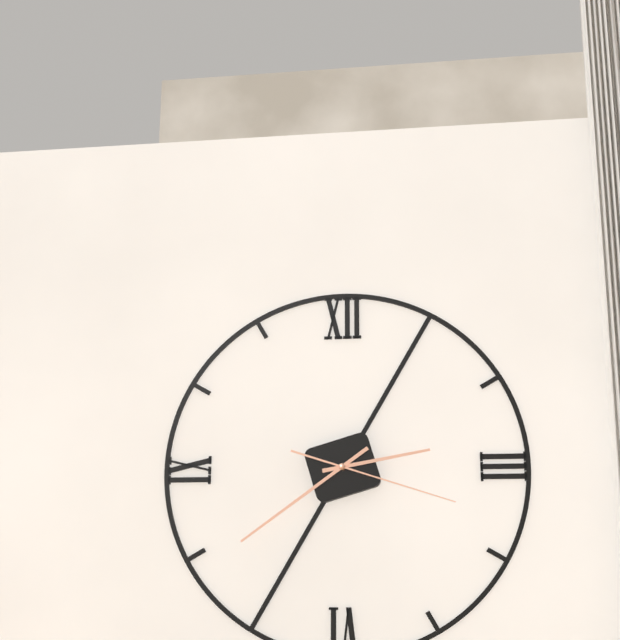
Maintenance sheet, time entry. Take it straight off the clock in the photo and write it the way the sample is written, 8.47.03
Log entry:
2.39.18
